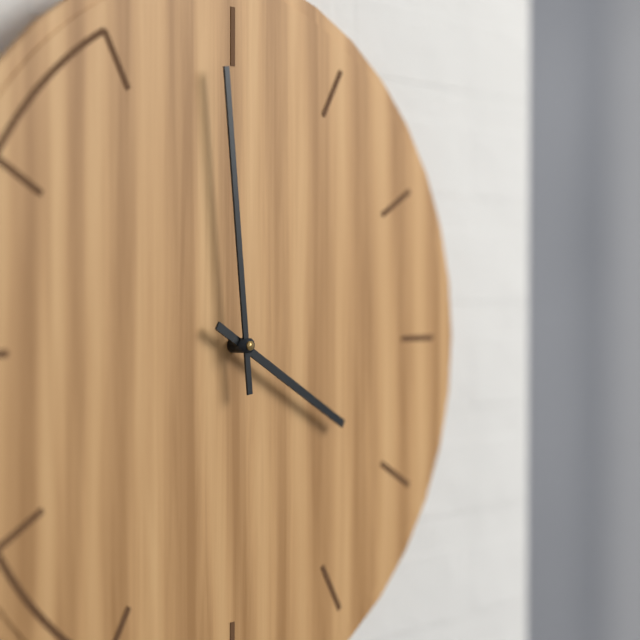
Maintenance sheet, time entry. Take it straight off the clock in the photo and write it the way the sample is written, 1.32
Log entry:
3.59
